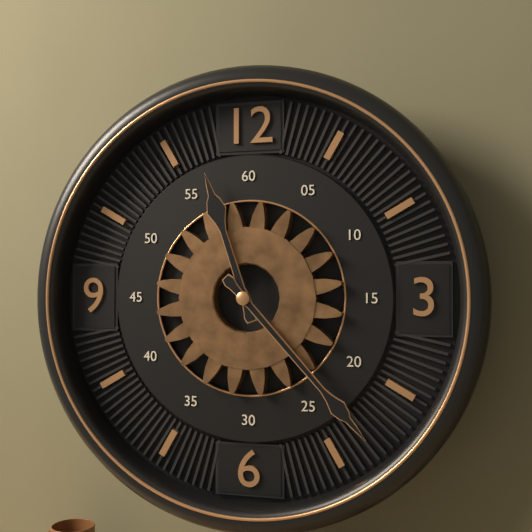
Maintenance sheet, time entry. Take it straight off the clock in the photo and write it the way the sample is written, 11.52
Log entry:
11.23
